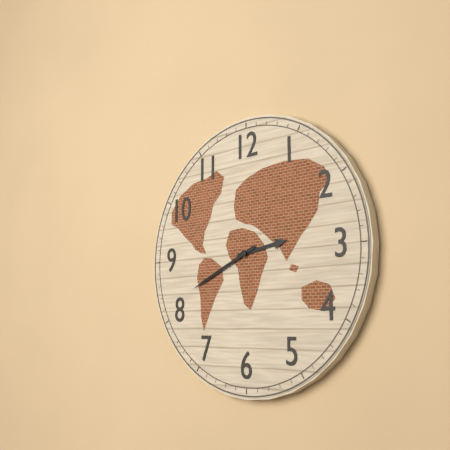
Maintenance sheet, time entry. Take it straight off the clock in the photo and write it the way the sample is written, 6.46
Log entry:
2.41
